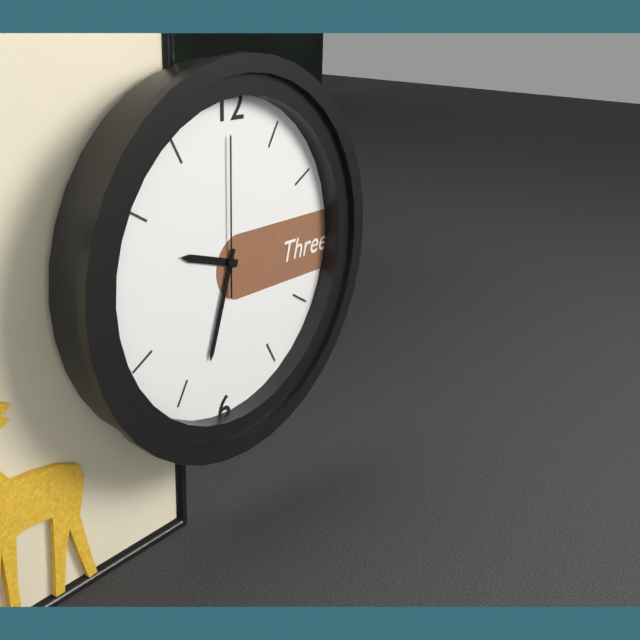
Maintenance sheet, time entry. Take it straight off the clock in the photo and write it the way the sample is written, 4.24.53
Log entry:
9.33.00
